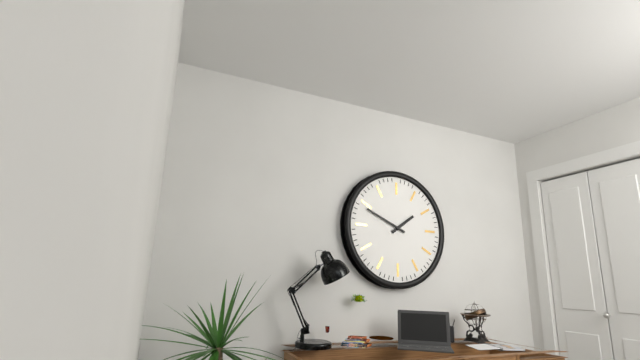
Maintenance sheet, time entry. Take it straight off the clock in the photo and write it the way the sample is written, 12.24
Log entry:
1.49
